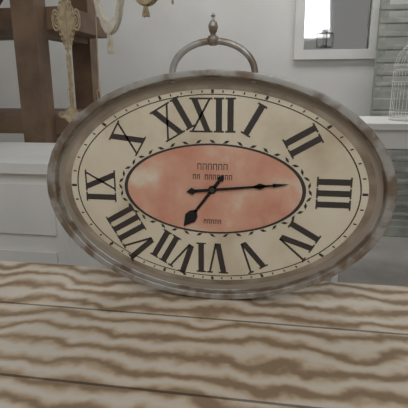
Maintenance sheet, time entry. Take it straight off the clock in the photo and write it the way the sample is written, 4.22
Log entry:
7.14
